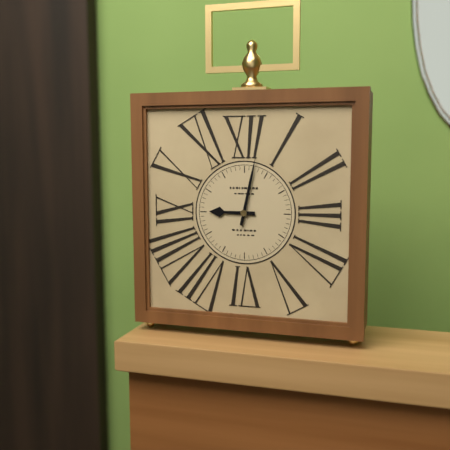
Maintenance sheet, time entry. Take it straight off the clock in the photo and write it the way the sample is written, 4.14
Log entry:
9.02
